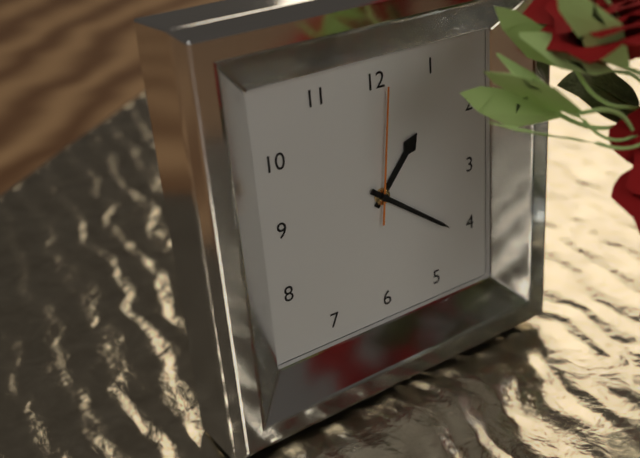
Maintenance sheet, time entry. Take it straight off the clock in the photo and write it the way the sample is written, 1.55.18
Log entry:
1.21.01
